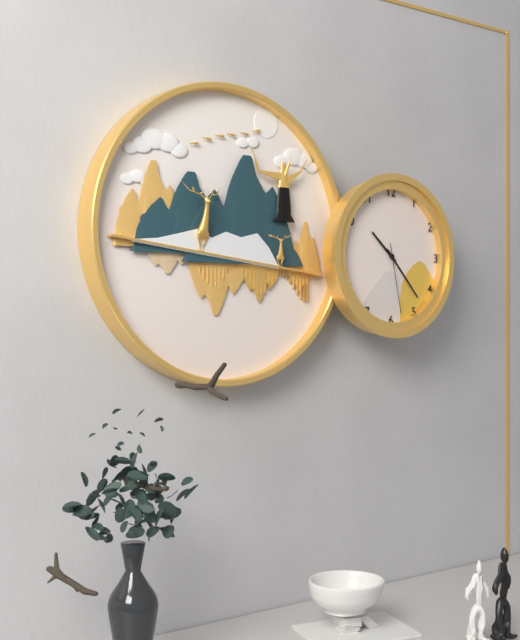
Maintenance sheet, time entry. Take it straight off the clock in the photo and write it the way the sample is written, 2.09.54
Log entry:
10.23.28
